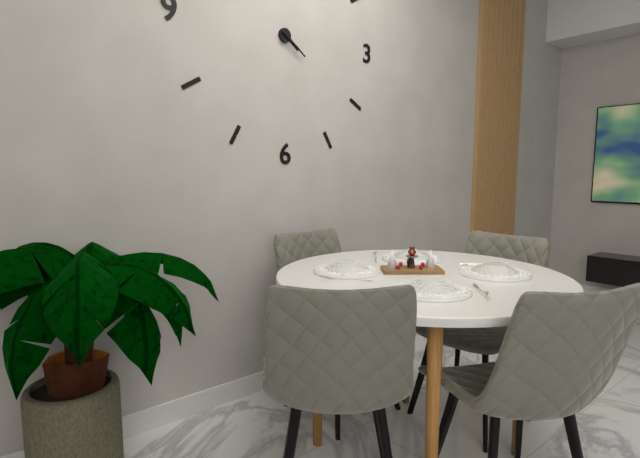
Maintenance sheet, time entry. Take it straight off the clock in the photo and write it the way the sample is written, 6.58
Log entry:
4.21
